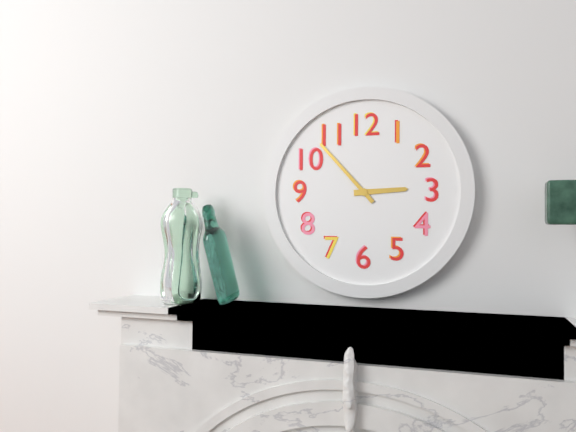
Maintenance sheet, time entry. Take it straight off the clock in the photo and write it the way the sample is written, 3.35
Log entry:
2.53
